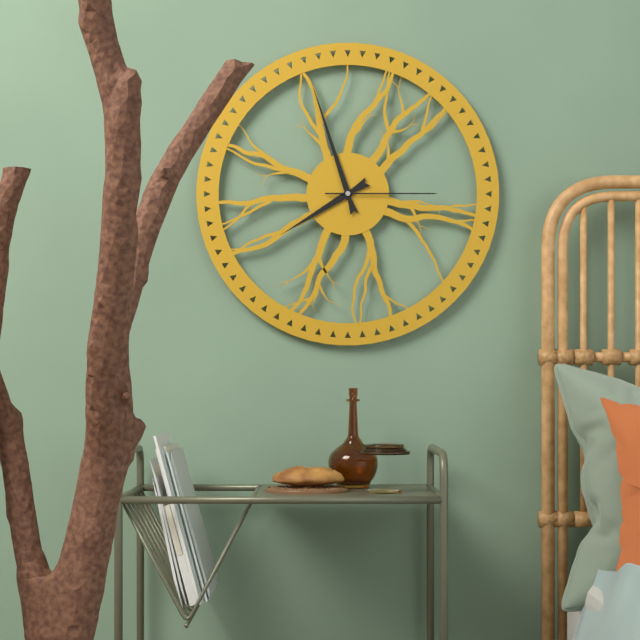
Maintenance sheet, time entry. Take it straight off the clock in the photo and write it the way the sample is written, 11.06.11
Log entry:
7.57.15
